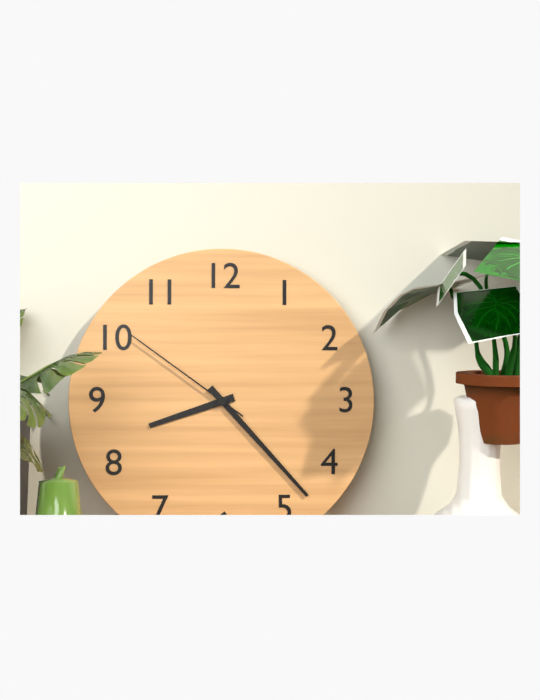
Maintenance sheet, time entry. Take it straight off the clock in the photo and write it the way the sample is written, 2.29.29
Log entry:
8.23.51
